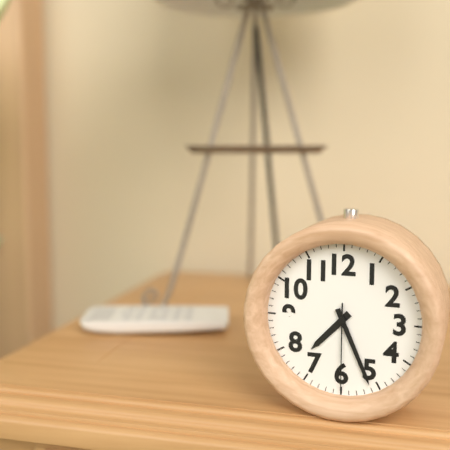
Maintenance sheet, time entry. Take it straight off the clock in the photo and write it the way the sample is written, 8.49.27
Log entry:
7.26.30
